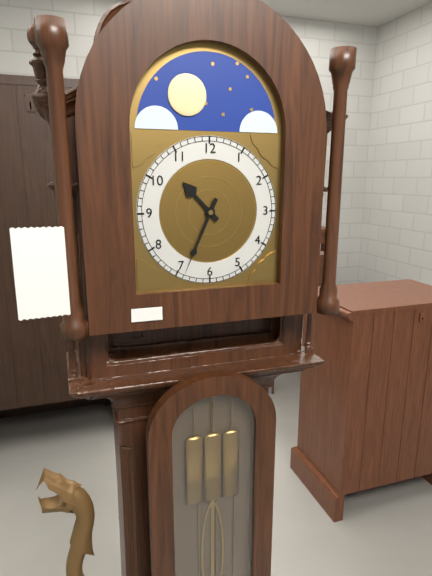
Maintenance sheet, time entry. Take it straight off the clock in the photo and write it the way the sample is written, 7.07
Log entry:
10.34
